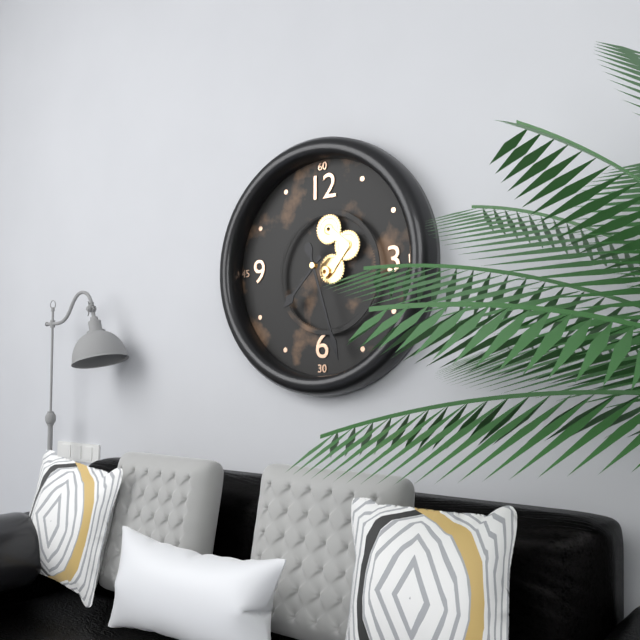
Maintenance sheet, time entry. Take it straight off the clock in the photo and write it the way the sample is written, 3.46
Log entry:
7.27
